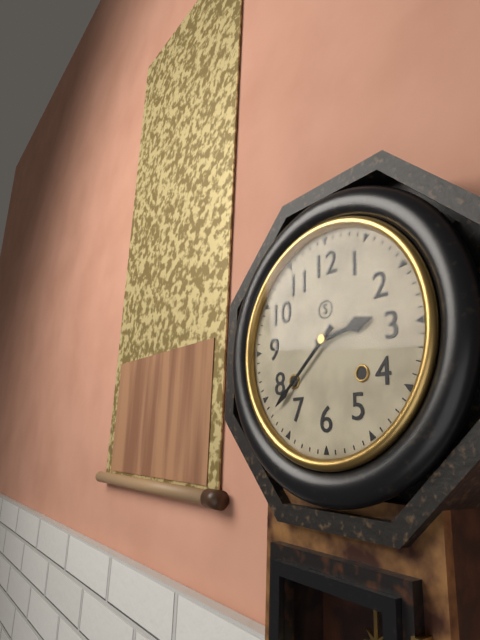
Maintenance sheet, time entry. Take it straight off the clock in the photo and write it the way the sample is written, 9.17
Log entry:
2.38
